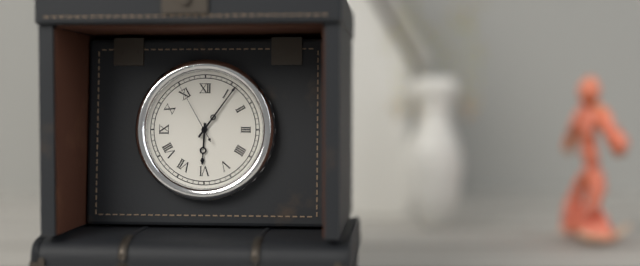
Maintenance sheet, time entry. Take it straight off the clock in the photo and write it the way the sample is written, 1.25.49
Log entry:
6.06.55
